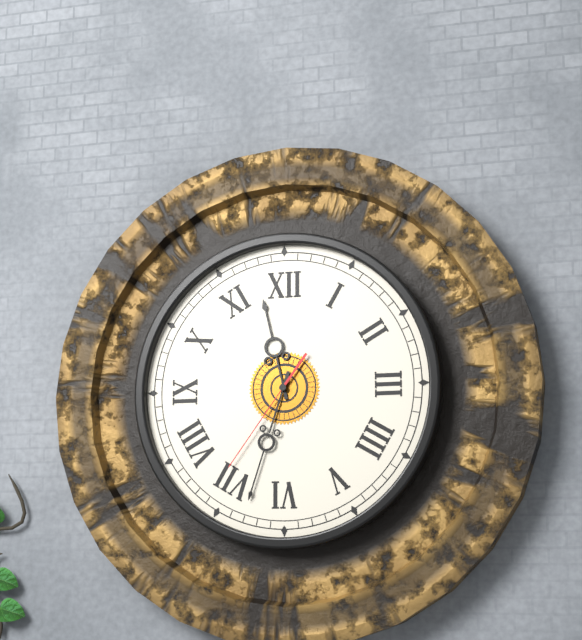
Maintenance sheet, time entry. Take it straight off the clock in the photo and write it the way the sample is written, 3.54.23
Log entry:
11.33.36
